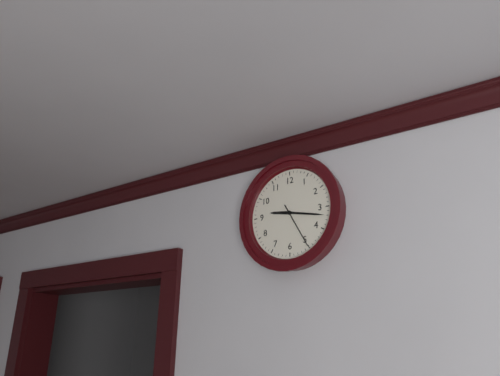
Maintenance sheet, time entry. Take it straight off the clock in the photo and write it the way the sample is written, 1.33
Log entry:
9.17
